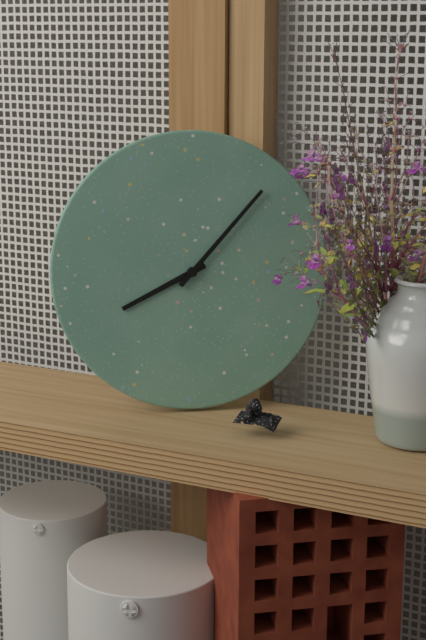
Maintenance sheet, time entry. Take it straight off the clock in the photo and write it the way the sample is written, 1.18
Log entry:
8.07
